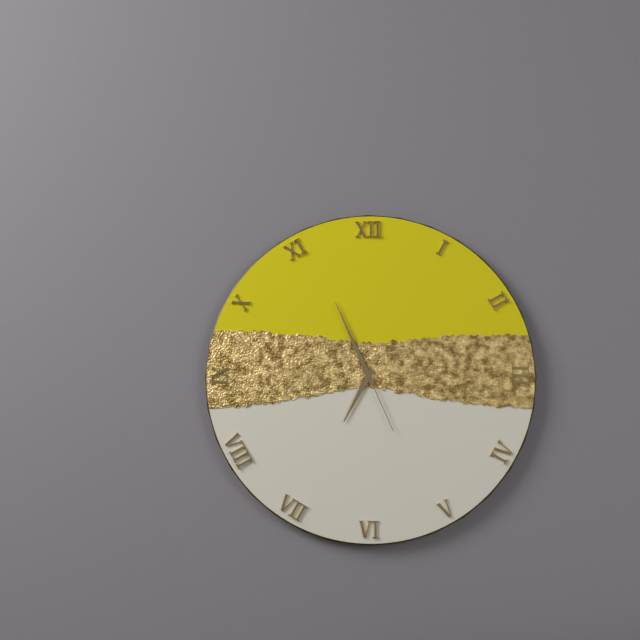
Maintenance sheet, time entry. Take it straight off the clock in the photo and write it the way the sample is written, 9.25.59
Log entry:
6.56.26
